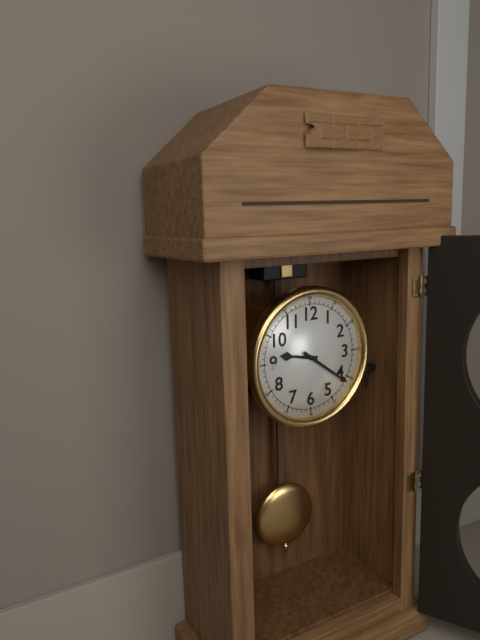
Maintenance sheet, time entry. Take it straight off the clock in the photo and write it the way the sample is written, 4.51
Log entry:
9.21
